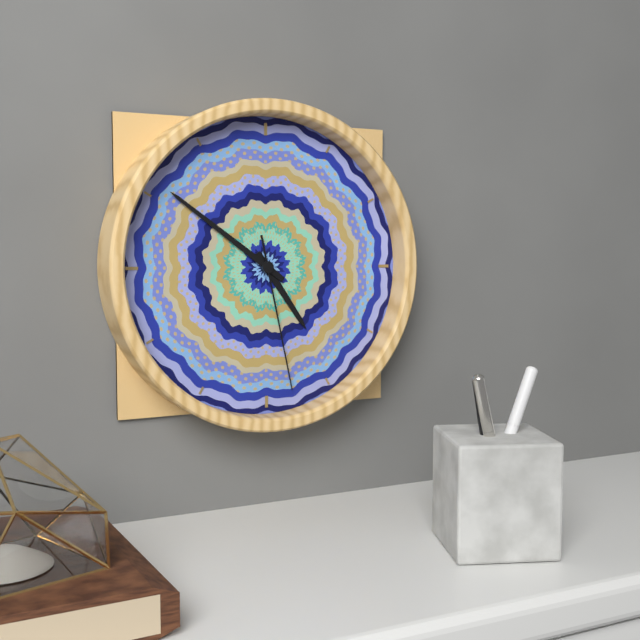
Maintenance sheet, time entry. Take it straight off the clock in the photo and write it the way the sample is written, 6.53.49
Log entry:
4.51.28
